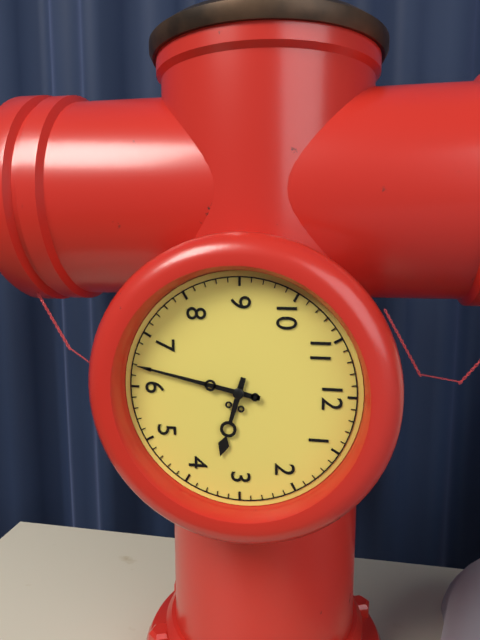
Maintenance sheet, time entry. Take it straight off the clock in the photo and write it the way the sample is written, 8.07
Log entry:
3.32
